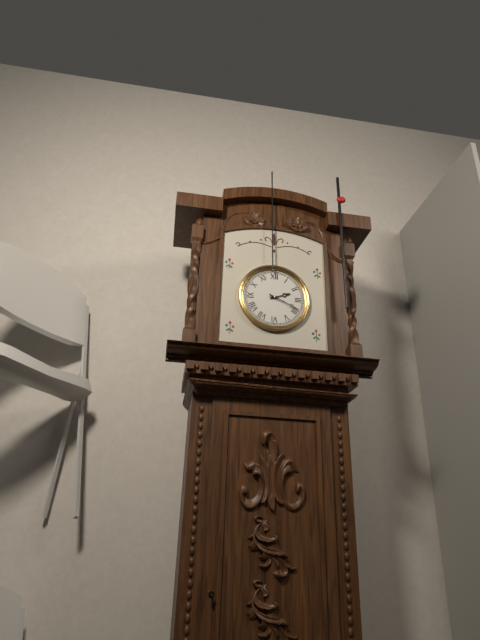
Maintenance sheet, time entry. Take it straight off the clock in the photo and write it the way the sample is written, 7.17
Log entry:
2.19
